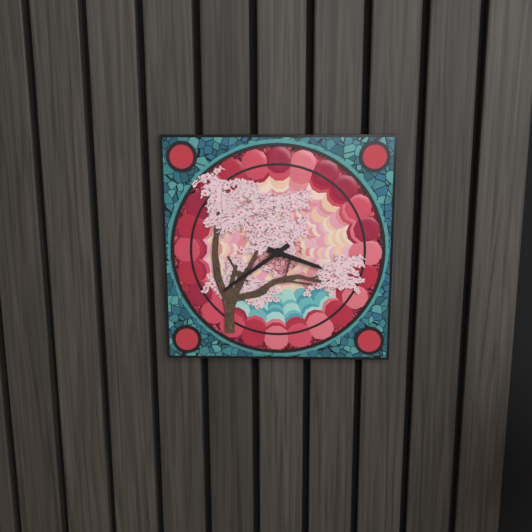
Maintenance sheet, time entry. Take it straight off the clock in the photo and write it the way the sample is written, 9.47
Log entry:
3.39
